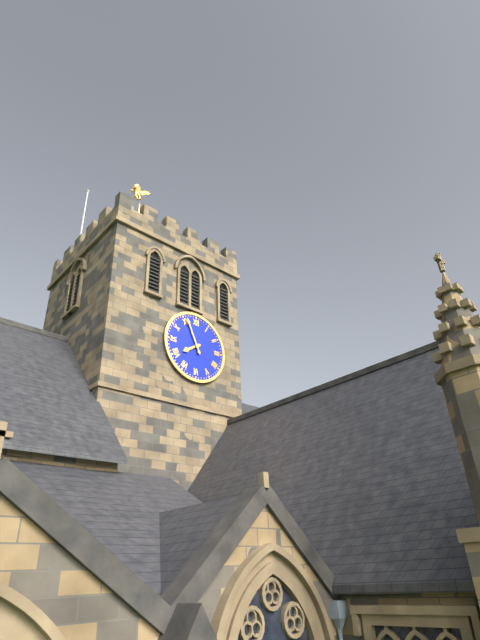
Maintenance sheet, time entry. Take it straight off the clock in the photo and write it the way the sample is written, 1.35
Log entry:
7.56
